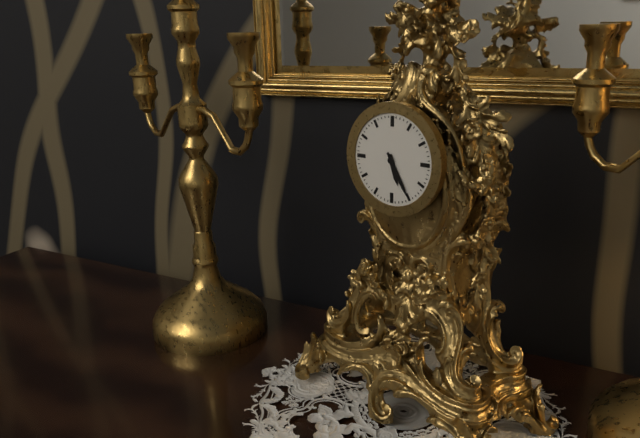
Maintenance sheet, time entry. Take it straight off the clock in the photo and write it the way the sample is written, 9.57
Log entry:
5.25
